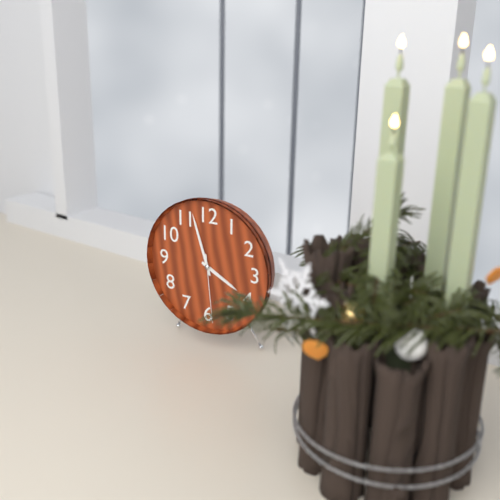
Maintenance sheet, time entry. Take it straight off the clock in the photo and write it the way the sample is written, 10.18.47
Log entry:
3.57.29
